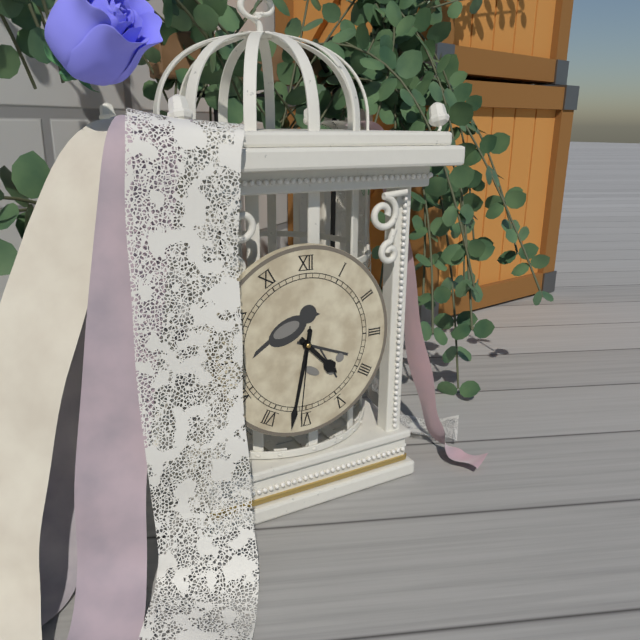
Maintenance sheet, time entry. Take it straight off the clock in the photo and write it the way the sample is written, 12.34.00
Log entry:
4.32.31
